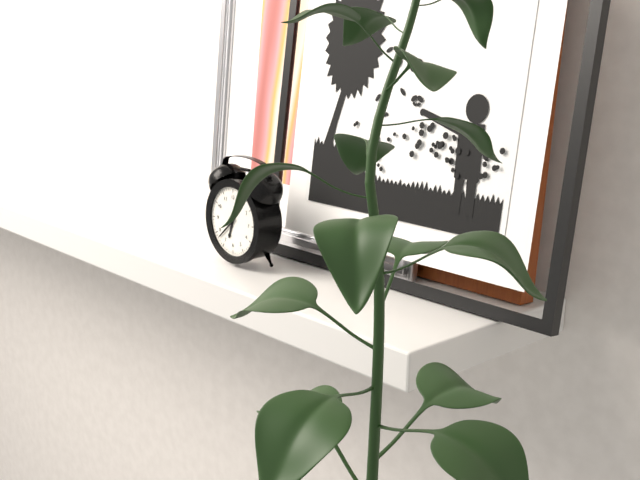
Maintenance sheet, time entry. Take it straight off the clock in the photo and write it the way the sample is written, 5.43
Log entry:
6.38
